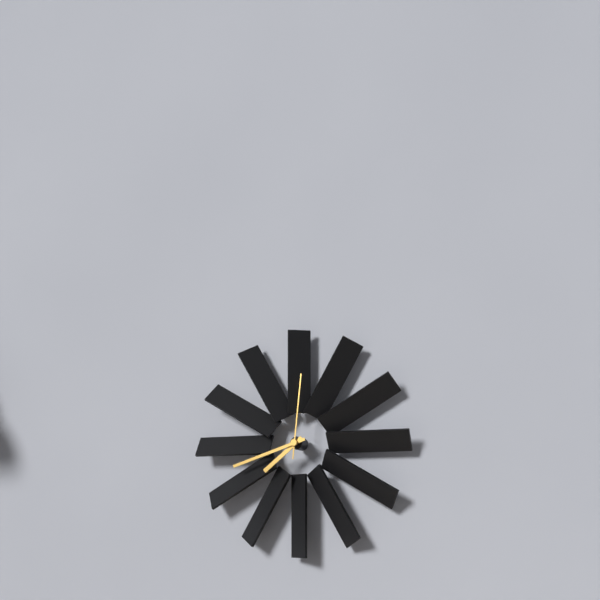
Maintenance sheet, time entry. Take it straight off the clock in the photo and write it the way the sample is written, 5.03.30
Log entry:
7.42.01
